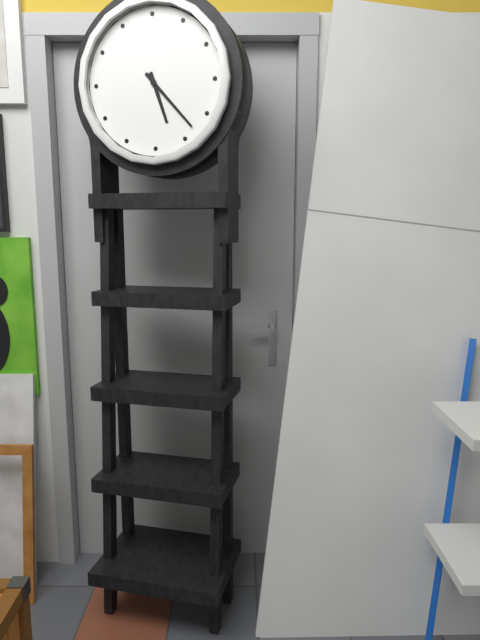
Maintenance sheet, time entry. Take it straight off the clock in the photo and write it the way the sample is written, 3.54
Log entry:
5.23
